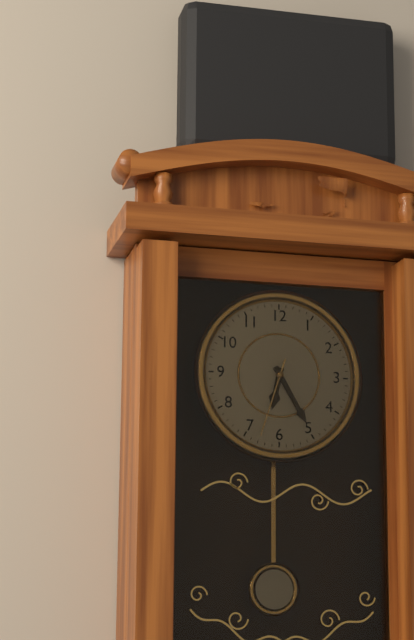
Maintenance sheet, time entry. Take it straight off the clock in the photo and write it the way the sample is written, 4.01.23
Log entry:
6.25.33
